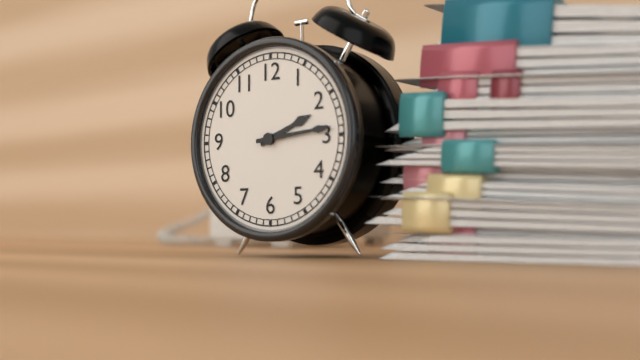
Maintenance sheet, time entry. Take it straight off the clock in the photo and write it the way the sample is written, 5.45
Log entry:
2.14
